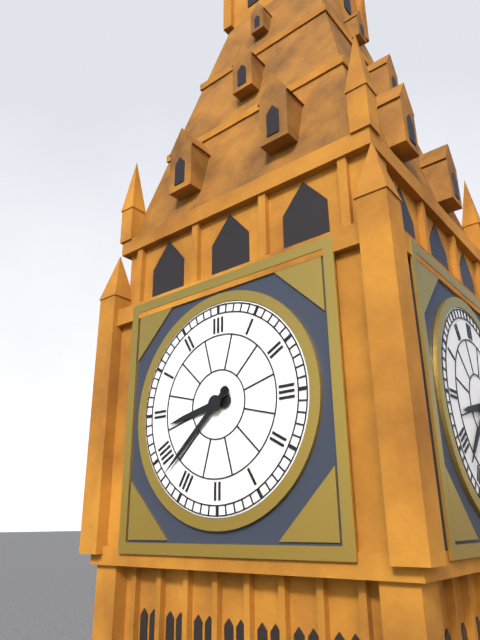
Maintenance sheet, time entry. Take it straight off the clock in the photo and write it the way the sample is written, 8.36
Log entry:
8.38
